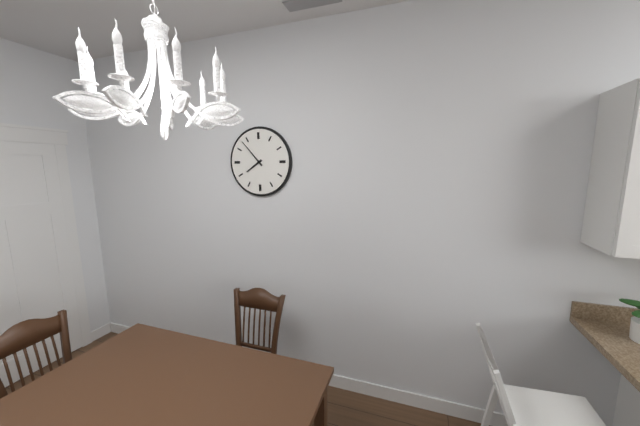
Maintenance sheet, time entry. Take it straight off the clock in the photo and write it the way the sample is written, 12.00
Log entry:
7.53
